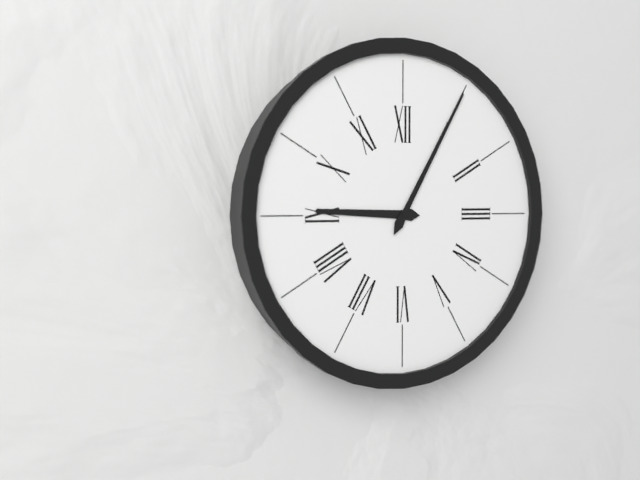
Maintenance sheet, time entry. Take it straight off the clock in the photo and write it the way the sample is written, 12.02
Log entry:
9.05
